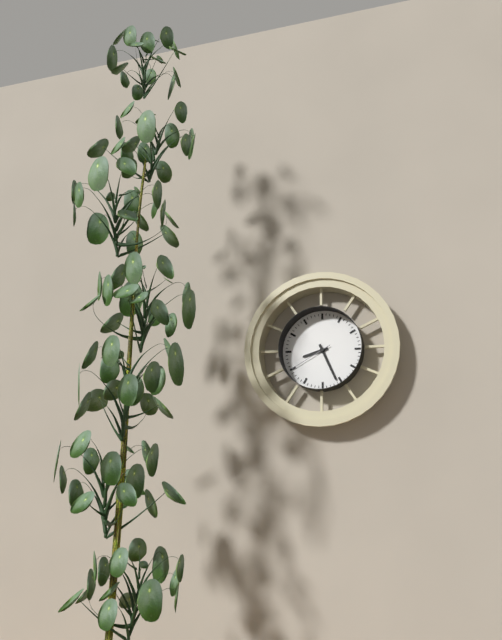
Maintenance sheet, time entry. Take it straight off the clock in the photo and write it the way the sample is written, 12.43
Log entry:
8.26
